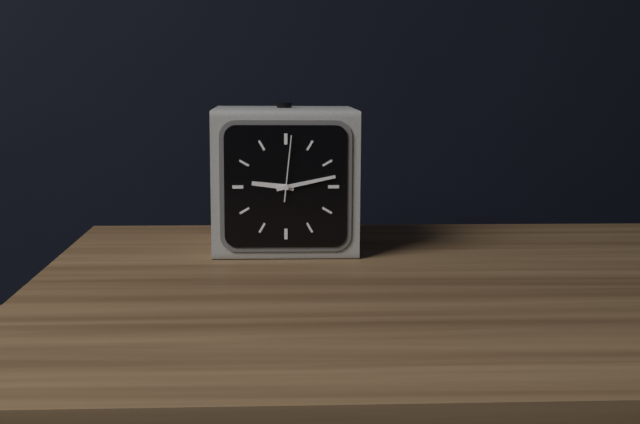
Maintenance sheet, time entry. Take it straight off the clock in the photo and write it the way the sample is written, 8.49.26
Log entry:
9.13.01
